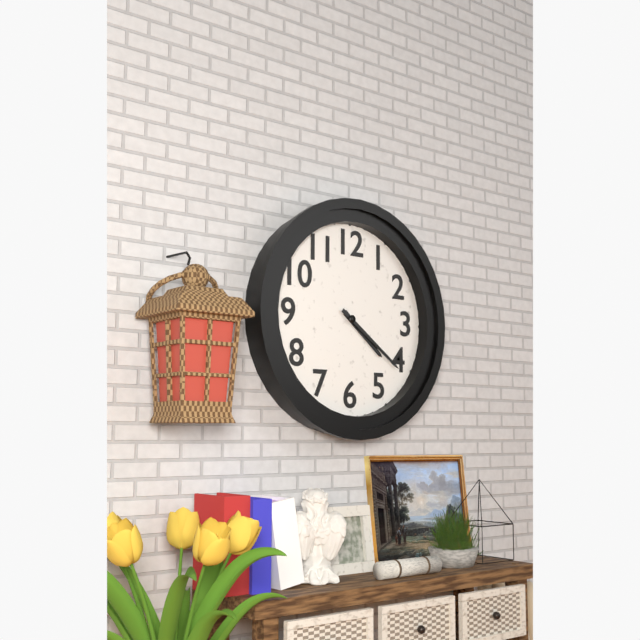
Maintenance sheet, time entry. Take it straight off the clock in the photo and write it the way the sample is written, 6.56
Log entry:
4.21
